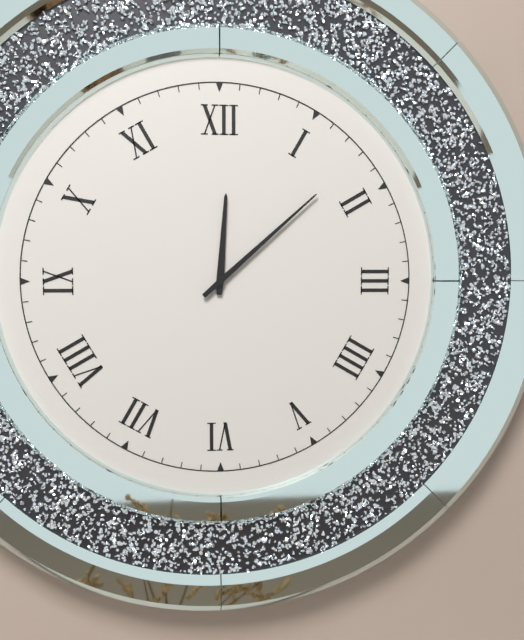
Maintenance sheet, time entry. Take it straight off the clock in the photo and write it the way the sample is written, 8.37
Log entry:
12.08
